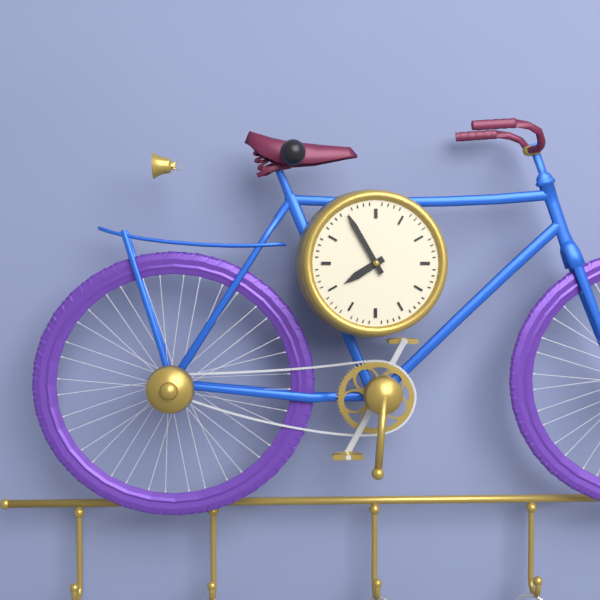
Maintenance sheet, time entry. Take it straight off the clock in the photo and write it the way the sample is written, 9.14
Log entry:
7.55
